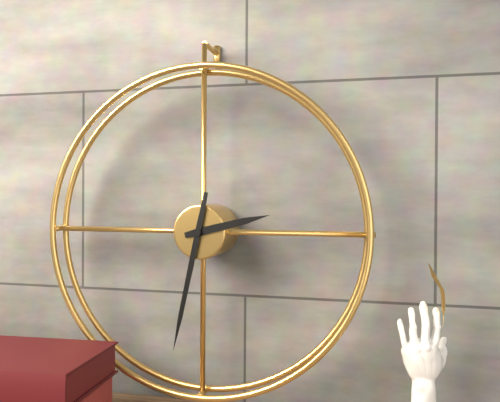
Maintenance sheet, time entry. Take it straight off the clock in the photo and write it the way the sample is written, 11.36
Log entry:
2.32
